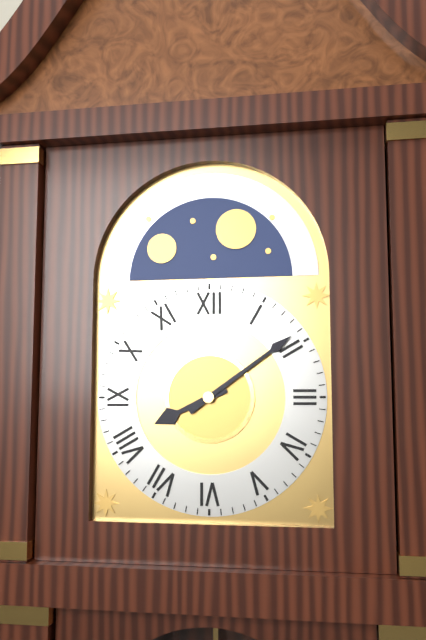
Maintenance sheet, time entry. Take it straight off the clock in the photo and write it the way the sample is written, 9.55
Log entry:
8.09
